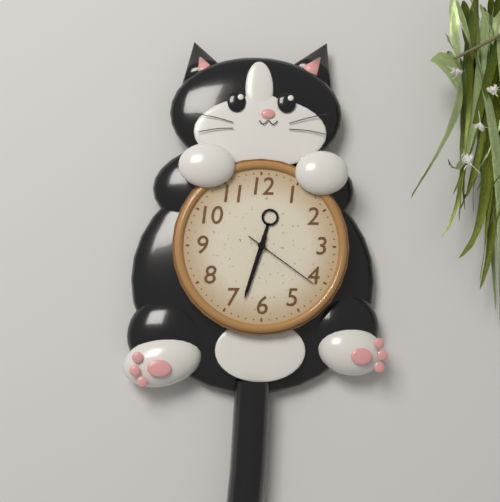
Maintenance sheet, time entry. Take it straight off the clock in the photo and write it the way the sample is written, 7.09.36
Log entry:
12.33.21
